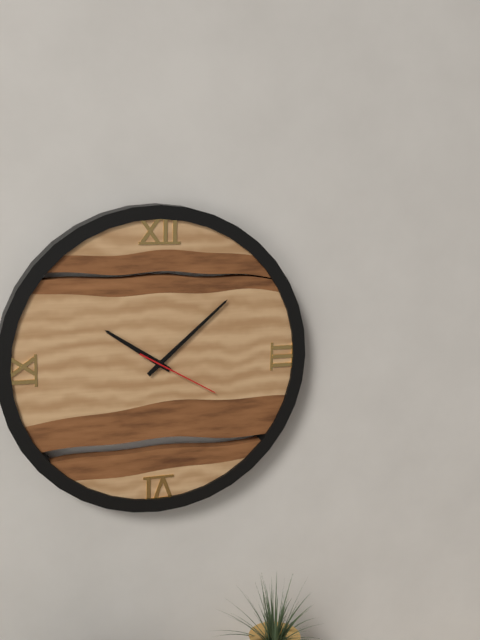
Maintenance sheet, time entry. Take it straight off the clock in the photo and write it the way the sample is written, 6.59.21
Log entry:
10.08.20
